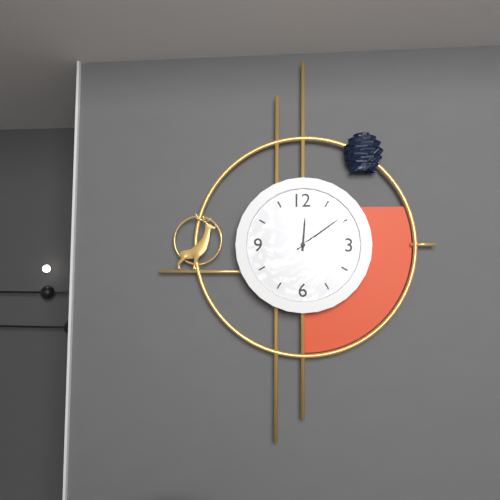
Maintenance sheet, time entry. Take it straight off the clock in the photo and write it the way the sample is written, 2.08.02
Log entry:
12.09.10
